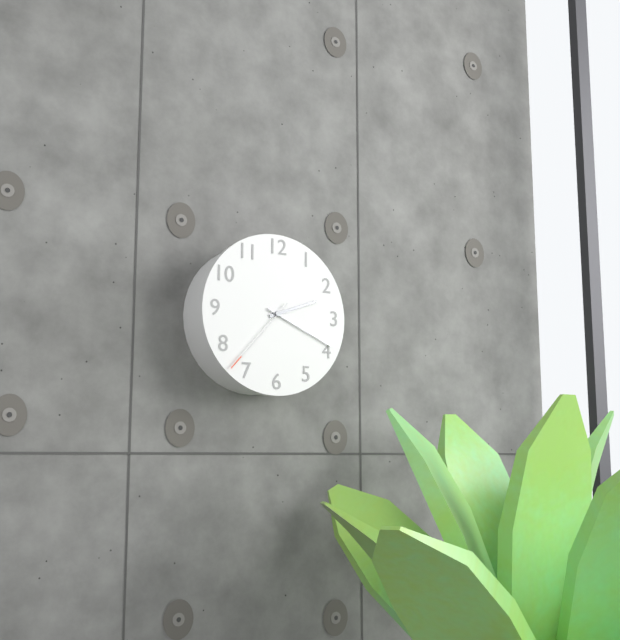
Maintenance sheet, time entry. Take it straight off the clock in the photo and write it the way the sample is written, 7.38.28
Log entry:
2.19.37
